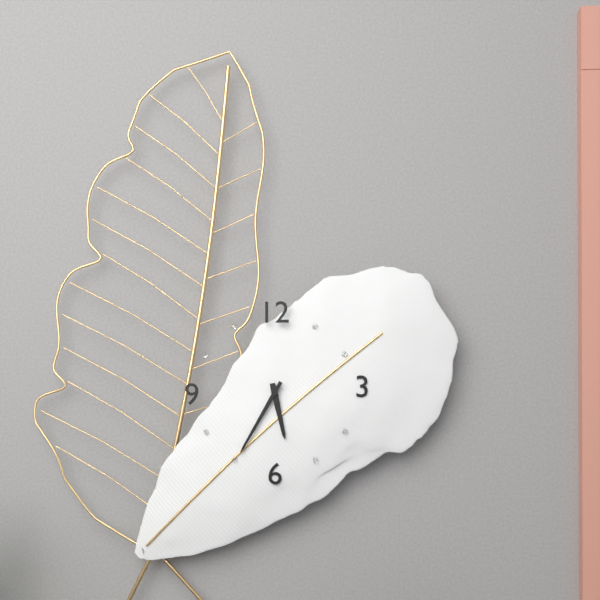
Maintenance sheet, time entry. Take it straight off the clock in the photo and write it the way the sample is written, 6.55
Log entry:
5.35
